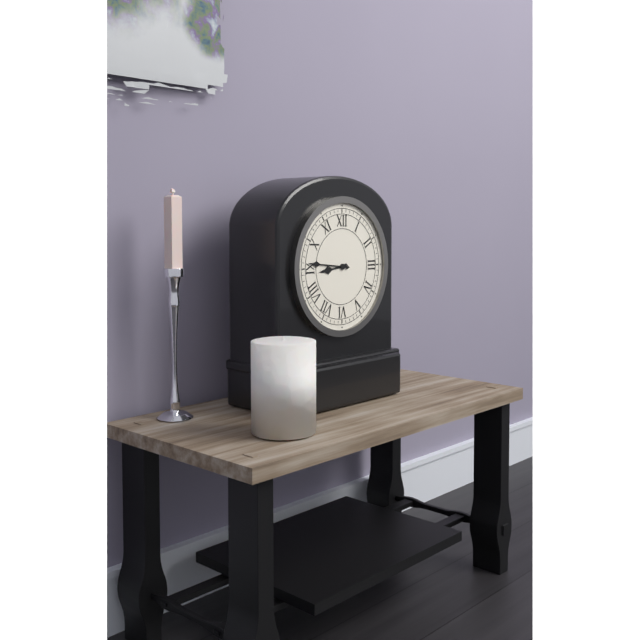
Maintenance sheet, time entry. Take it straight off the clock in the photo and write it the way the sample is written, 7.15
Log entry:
8.46
